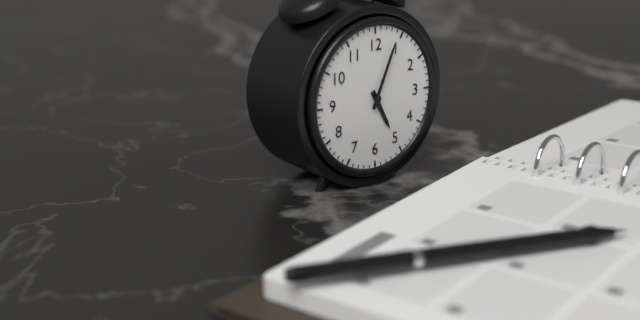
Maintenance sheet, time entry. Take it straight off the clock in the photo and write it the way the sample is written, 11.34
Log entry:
5.04
